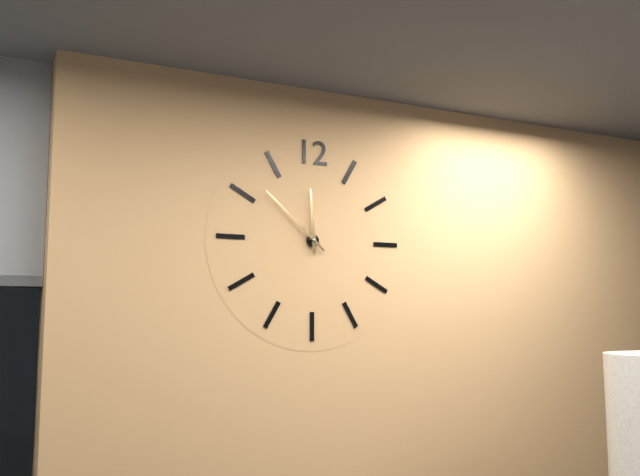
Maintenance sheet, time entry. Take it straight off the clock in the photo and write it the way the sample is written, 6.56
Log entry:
11.52
